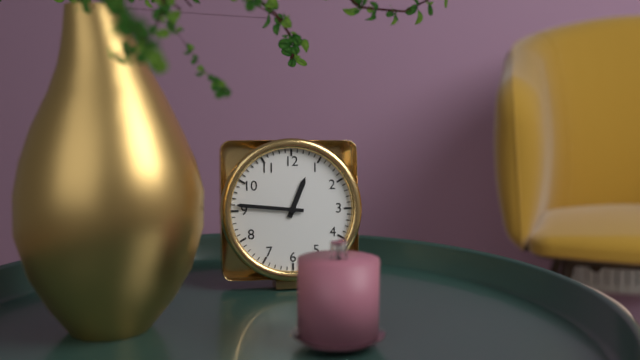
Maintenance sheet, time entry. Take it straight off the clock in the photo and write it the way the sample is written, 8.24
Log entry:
12.46
